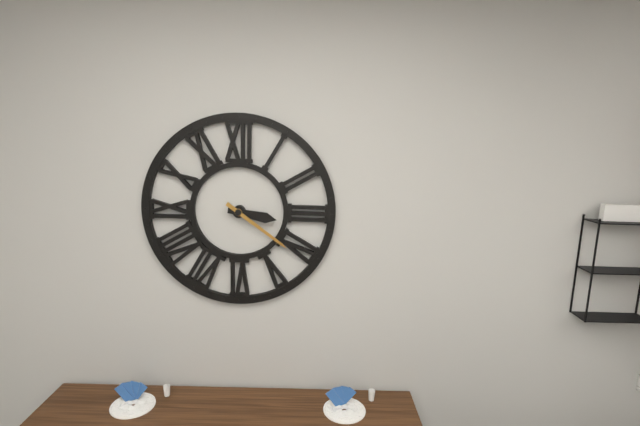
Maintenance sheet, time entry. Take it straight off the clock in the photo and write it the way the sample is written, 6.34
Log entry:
3.21
